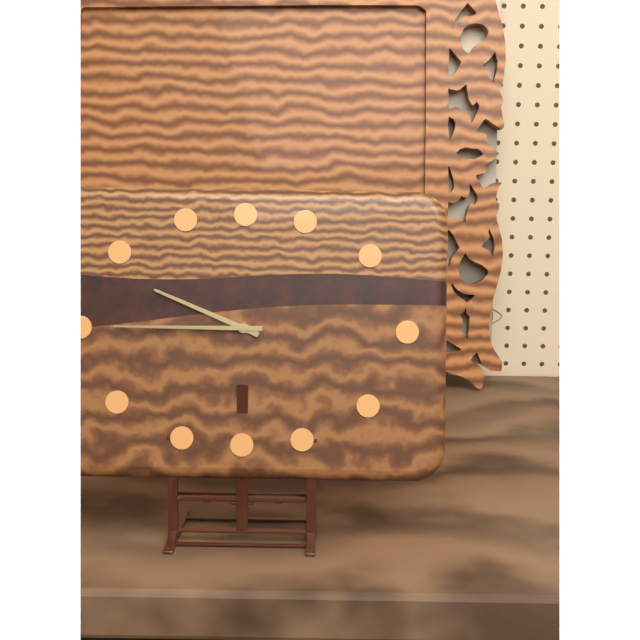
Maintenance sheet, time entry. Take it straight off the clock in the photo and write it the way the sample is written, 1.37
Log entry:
9.45
